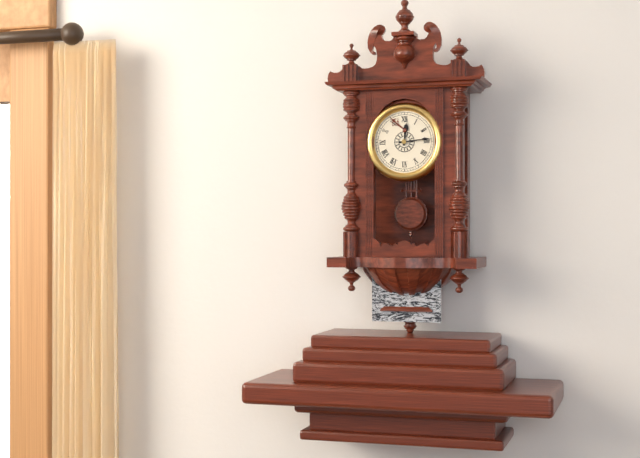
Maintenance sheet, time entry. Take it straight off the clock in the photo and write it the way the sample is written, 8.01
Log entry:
12.14
